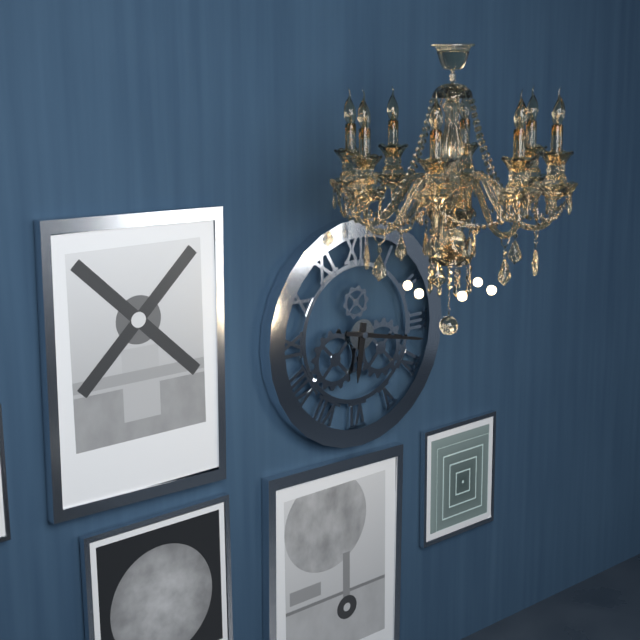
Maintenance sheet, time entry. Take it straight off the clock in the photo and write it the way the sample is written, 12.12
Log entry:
6.17
